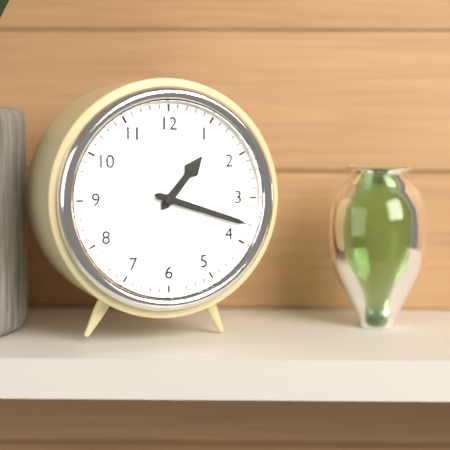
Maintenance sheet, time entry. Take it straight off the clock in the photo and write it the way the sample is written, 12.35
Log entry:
1.18
